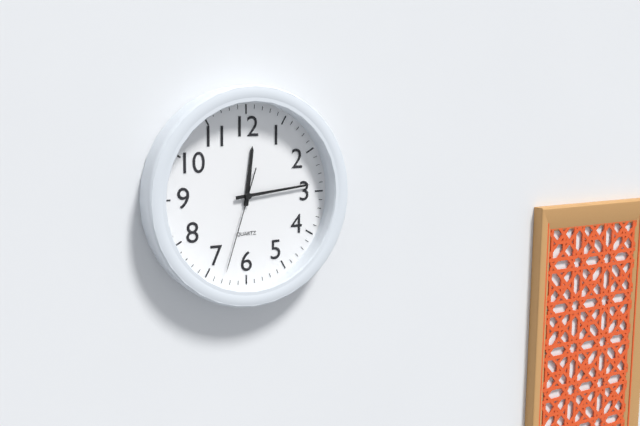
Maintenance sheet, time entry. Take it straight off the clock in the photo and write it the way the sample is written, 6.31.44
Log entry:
12.14.33
